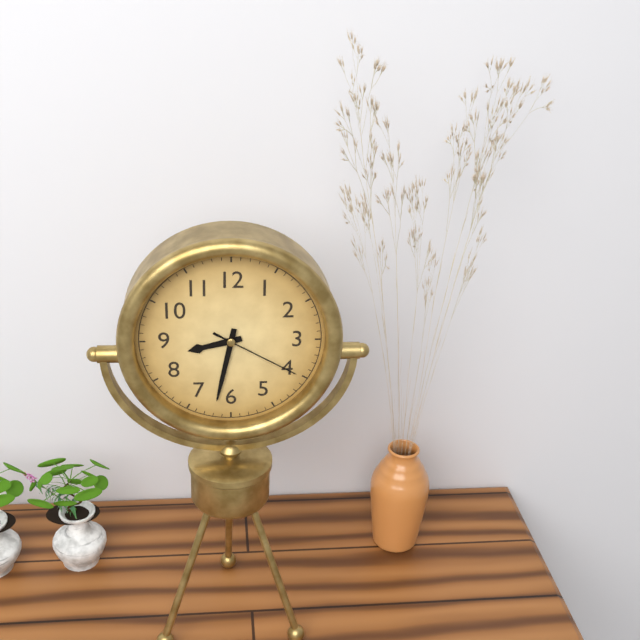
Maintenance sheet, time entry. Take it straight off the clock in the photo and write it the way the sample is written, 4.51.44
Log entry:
8.32.20
